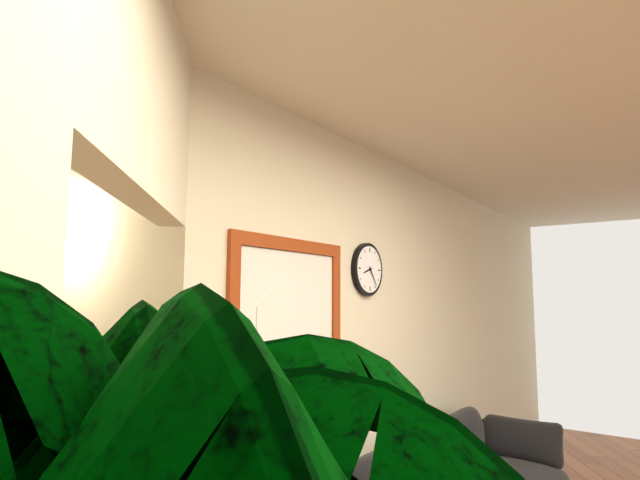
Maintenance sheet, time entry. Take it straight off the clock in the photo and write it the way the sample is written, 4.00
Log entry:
8.24
